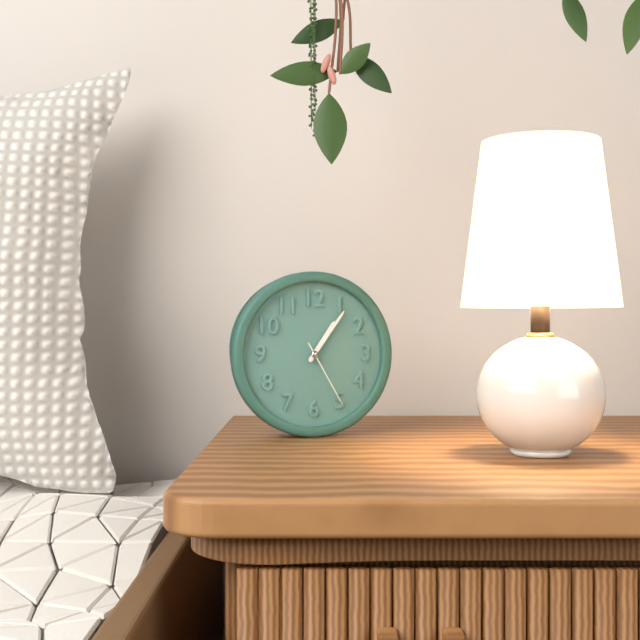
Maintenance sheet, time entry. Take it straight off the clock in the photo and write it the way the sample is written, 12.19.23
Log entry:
1.06.25
